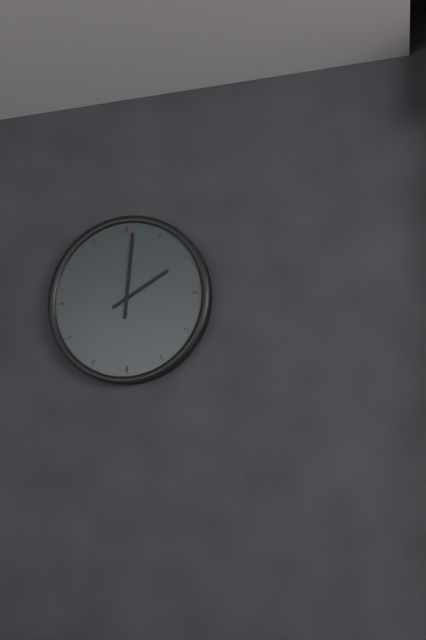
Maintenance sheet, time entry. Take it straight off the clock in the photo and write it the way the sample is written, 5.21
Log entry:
2.01
